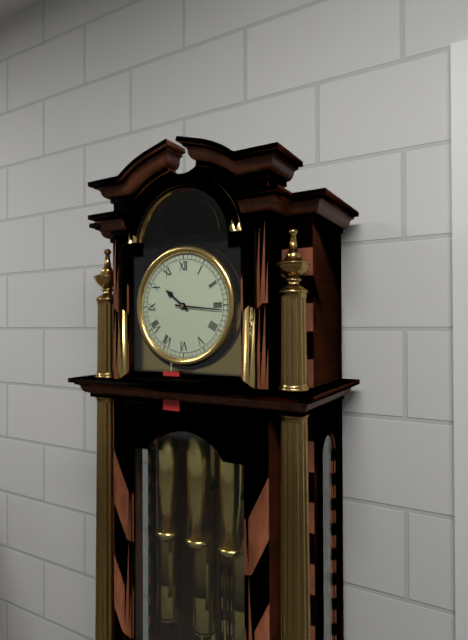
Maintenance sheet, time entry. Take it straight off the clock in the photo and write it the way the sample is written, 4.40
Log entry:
10.16
